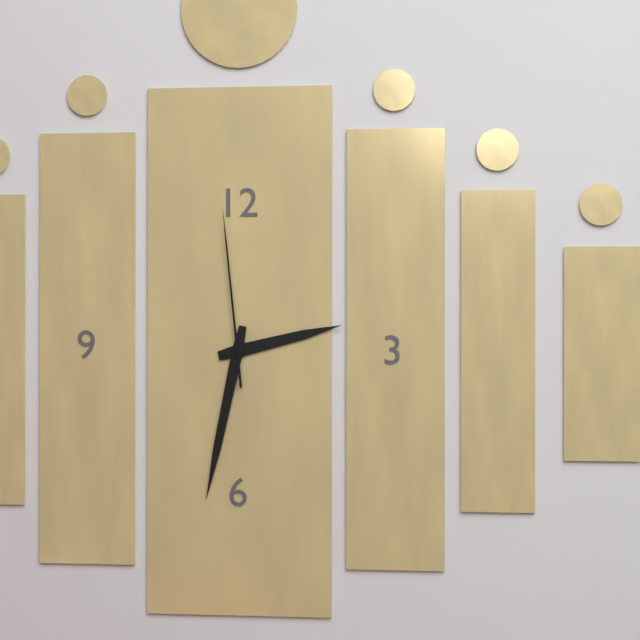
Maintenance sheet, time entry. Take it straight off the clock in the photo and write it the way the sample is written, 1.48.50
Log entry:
2.32.59
